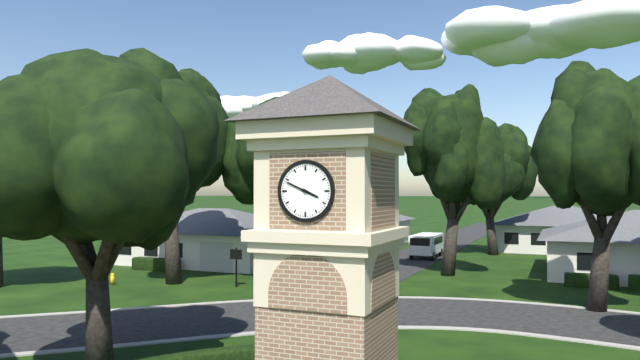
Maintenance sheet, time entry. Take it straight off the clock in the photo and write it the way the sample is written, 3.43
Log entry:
3.49
